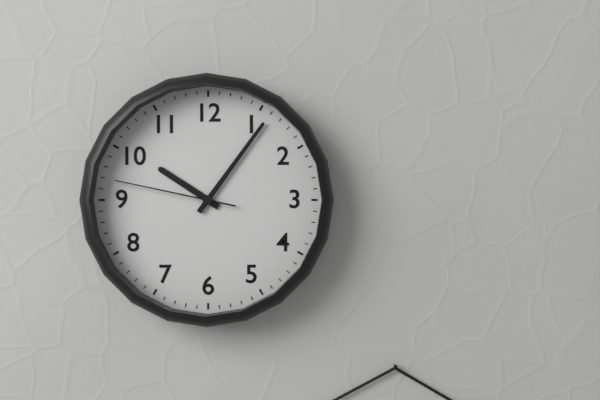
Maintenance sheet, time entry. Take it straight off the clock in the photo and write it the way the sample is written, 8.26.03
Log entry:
10.06.47
